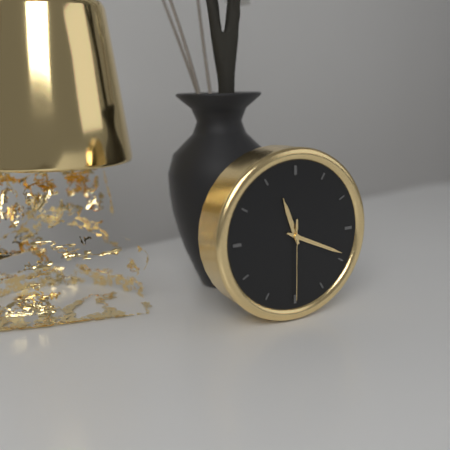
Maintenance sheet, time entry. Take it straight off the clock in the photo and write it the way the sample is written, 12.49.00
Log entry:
11.19.30
